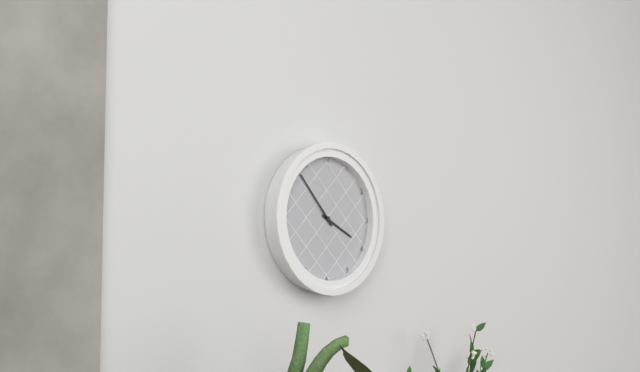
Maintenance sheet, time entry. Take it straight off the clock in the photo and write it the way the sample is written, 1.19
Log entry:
3.53
